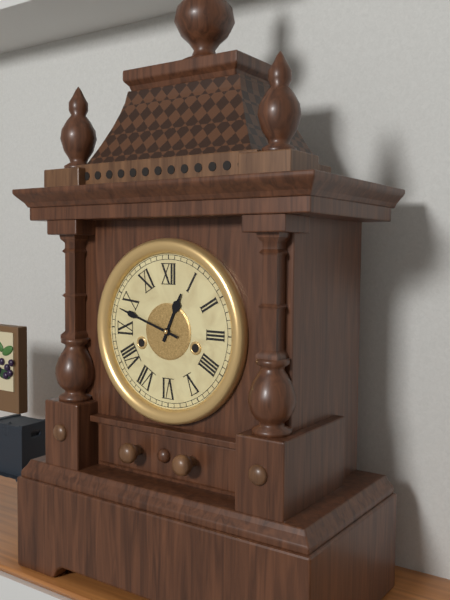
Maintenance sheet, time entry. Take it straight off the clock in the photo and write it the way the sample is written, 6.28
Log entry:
12.48
